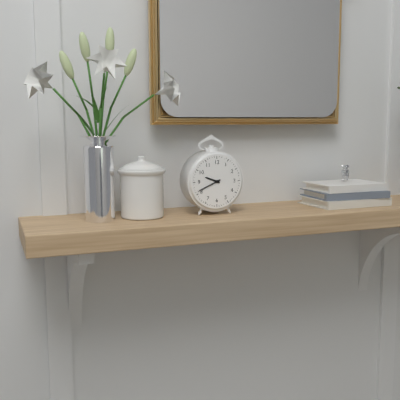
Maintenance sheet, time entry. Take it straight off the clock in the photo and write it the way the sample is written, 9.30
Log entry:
9.41
